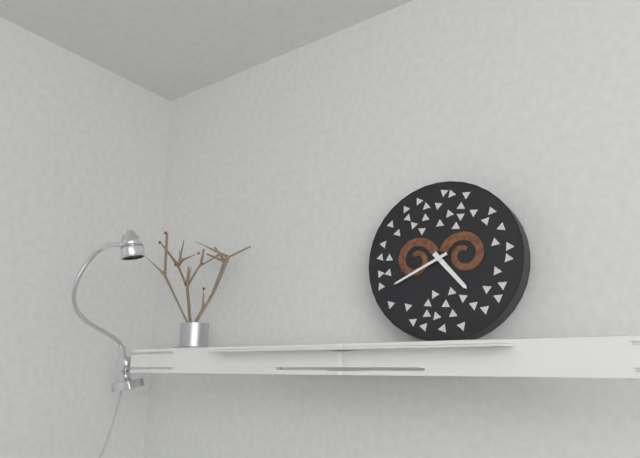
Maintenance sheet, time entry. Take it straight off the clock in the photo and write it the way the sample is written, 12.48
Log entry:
4.41
